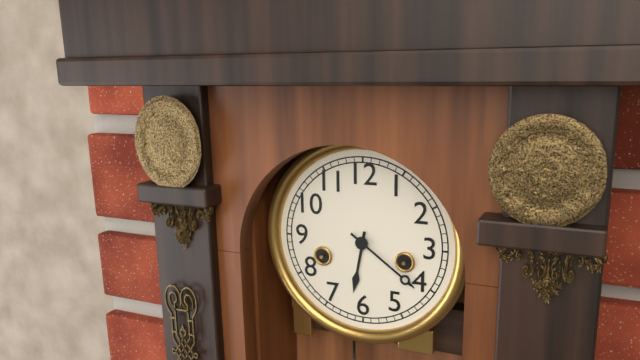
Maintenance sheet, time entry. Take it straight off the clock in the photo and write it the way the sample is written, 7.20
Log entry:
6.21
